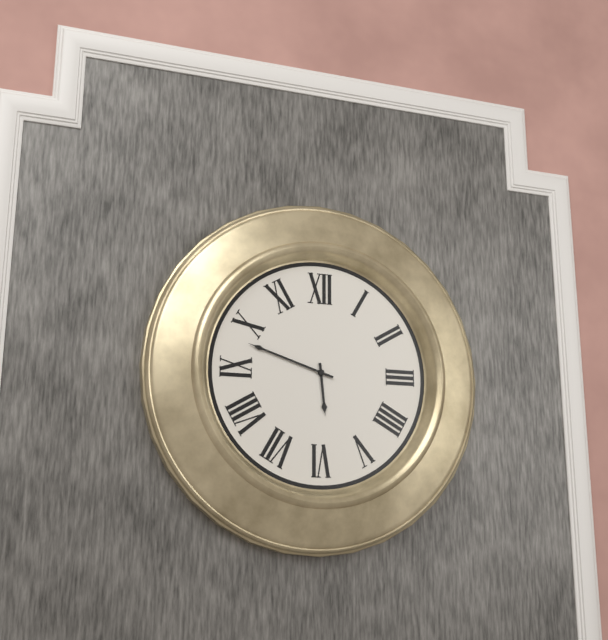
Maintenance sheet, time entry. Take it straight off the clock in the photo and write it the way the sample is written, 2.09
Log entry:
5.48
